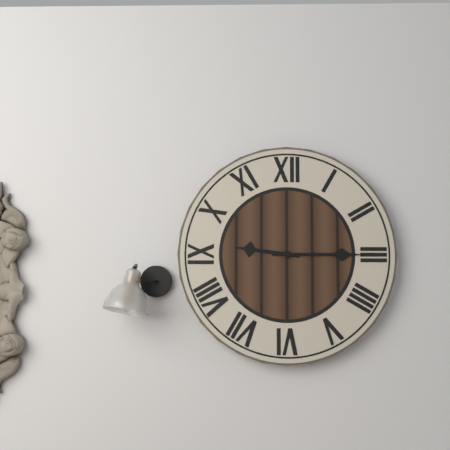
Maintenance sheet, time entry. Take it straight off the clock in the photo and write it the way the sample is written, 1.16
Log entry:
9.15
